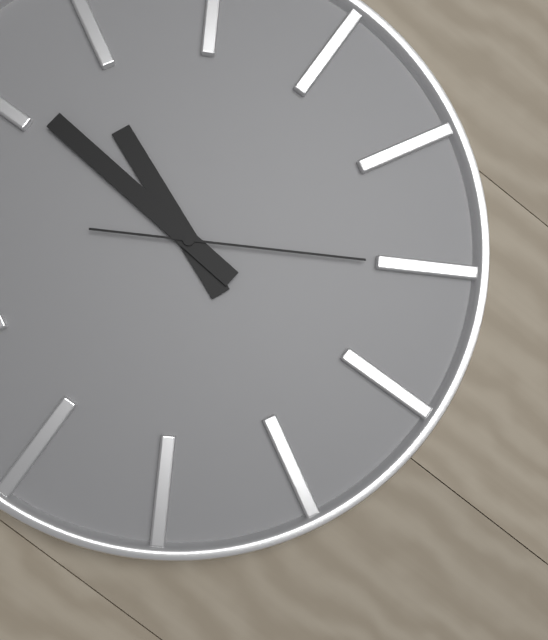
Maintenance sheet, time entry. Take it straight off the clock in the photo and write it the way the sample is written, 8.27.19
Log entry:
9.46.10
